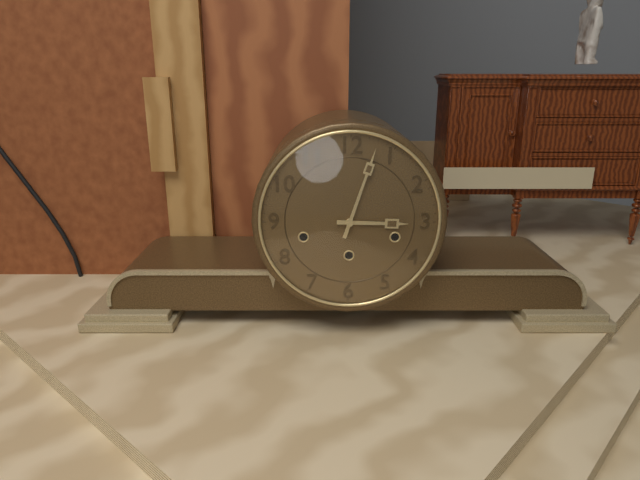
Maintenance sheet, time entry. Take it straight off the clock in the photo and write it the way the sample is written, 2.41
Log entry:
3.03
